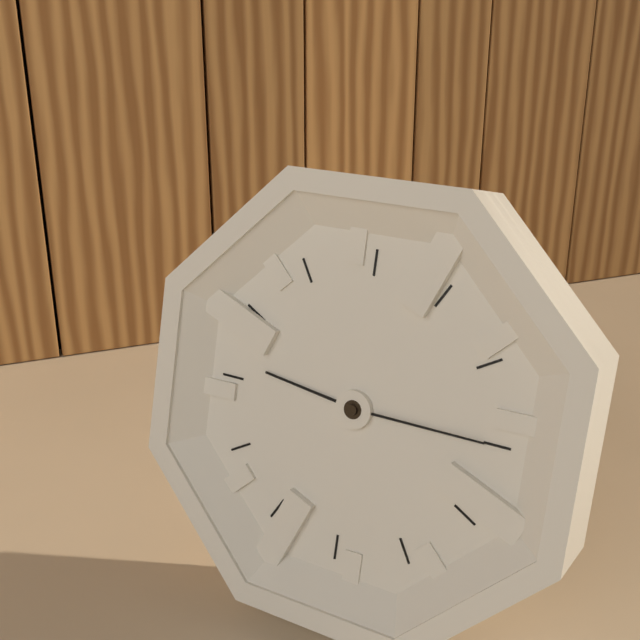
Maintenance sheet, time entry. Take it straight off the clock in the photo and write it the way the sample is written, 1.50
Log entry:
9.15
